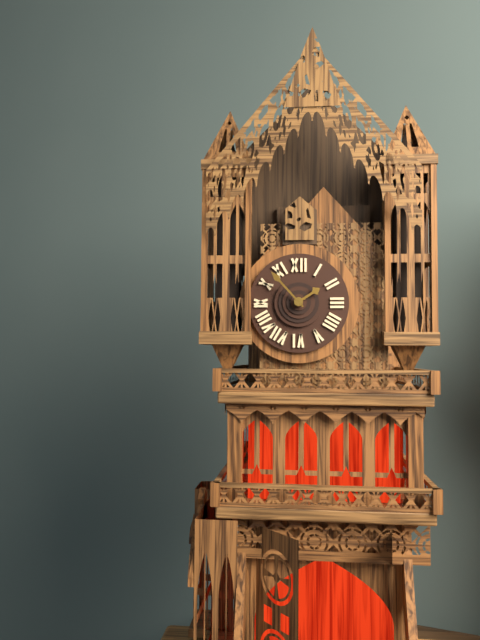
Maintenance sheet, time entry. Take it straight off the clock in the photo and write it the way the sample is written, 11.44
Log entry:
1.53
